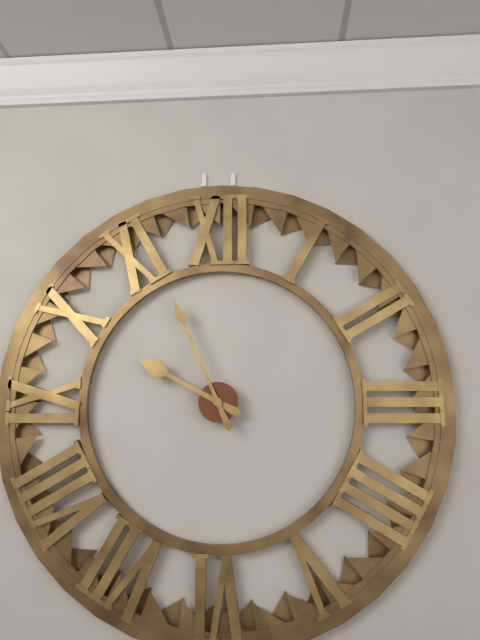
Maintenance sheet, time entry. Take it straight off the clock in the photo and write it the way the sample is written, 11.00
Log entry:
9.56
